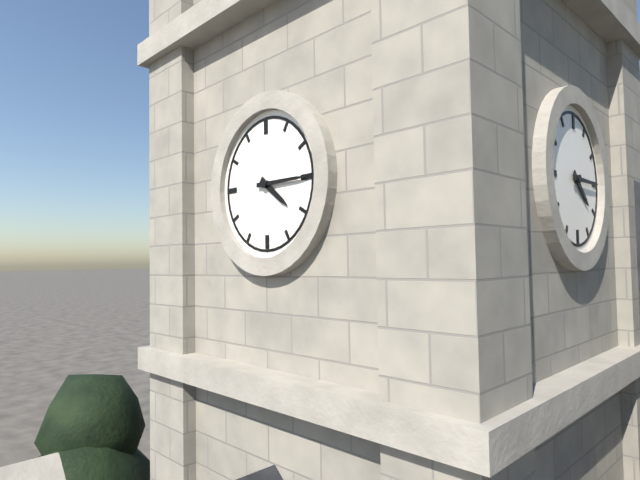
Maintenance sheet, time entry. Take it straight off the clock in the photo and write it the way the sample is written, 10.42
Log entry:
4.15
